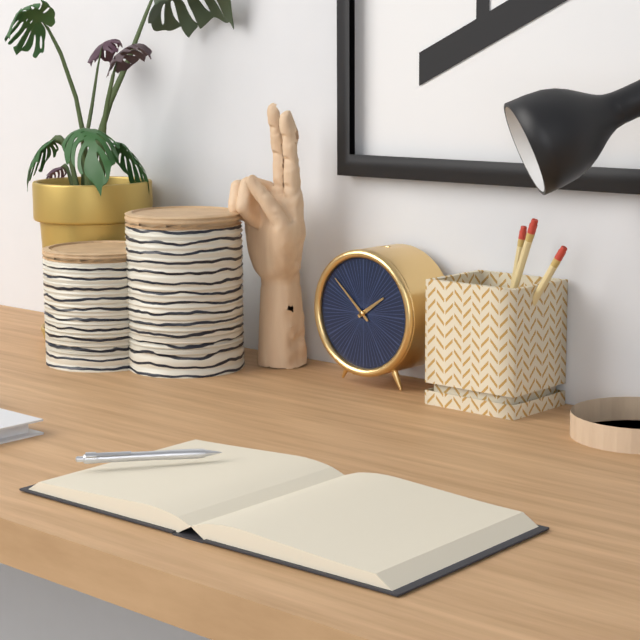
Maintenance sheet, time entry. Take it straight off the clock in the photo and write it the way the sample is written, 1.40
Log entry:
1.52
